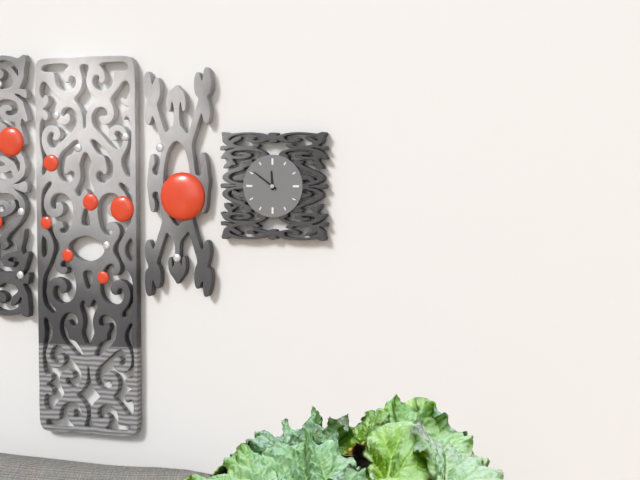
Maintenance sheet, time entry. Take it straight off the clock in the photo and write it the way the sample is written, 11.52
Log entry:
11.51
